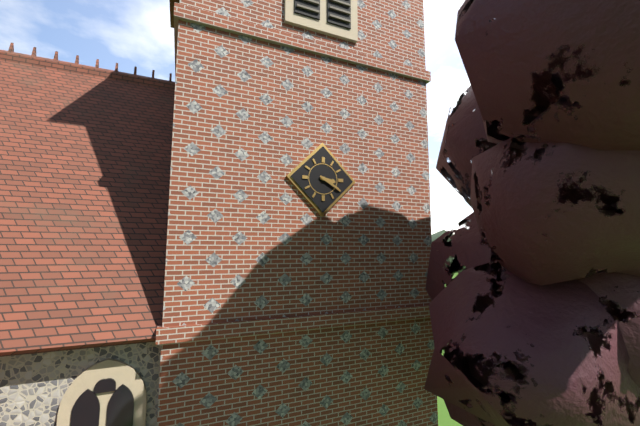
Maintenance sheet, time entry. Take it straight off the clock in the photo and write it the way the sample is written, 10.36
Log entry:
3.20
